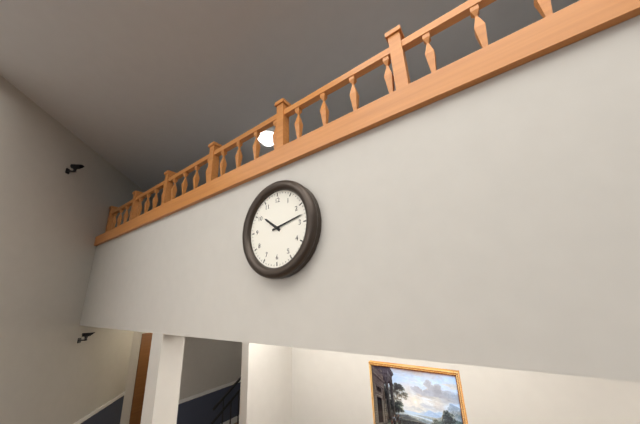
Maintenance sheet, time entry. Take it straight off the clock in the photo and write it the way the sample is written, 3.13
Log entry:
10.13
